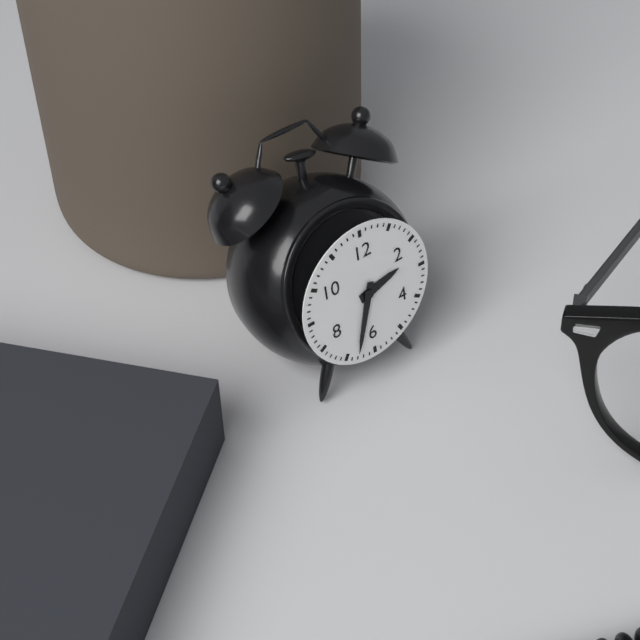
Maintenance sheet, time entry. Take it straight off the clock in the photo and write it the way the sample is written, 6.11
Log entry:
2.33
